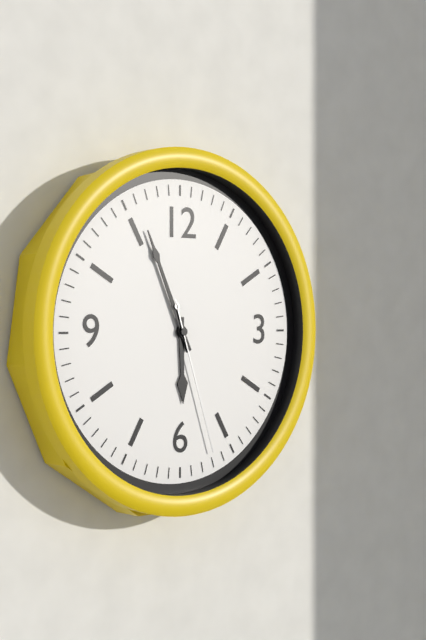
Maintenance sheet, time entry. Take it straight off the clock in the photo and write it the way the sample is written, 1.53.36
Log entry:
5.56.27
